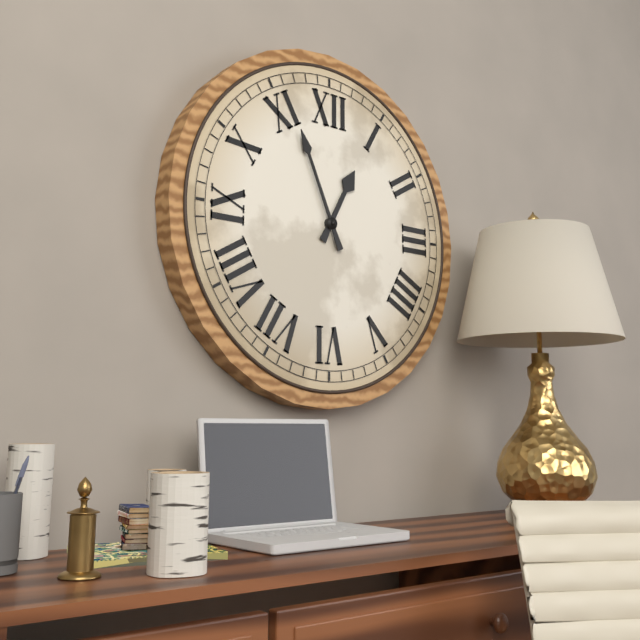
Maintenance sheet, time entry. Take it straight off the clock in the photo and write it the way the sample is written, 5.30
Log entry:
12.56
